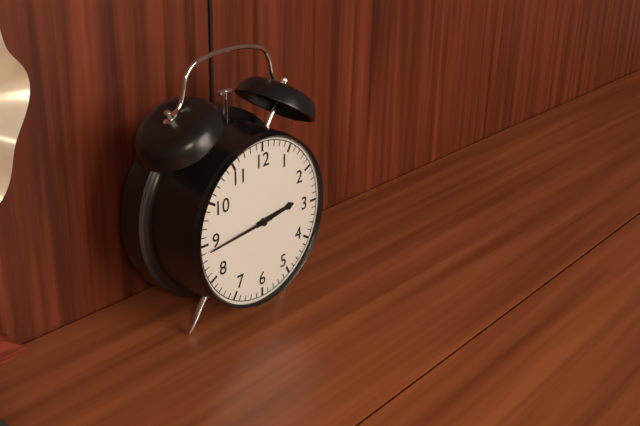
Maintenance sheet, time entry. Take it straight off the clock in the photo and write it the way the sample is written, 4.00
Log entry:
2.44
